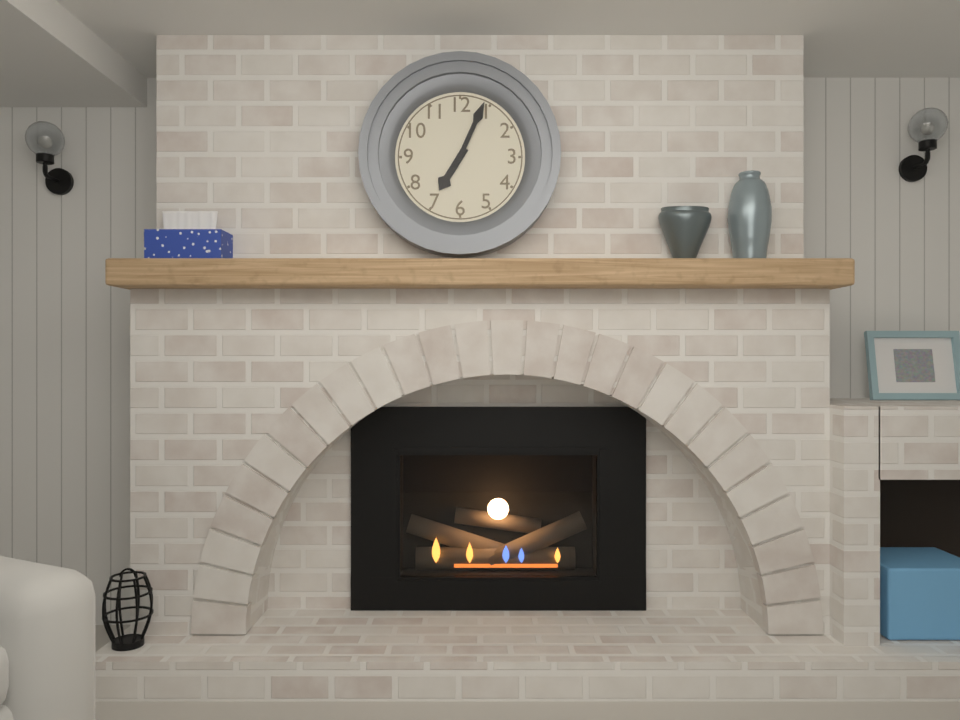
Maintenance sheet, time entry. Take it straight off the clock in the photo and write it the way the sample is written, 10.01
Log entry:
7.04
